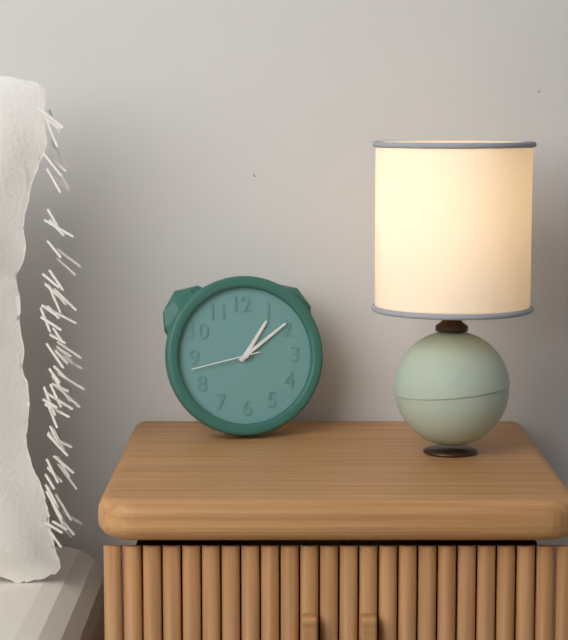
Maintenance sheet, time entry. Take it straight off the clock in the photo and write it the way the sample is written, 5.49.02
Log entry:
1.09.43
